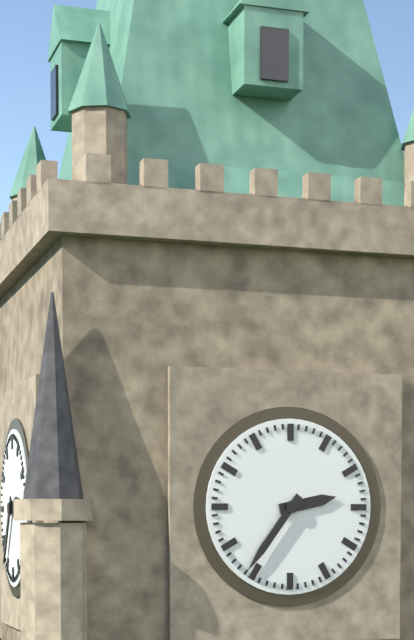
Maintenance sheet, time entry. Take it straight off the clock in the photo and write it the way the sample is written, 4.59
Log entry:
2.36
